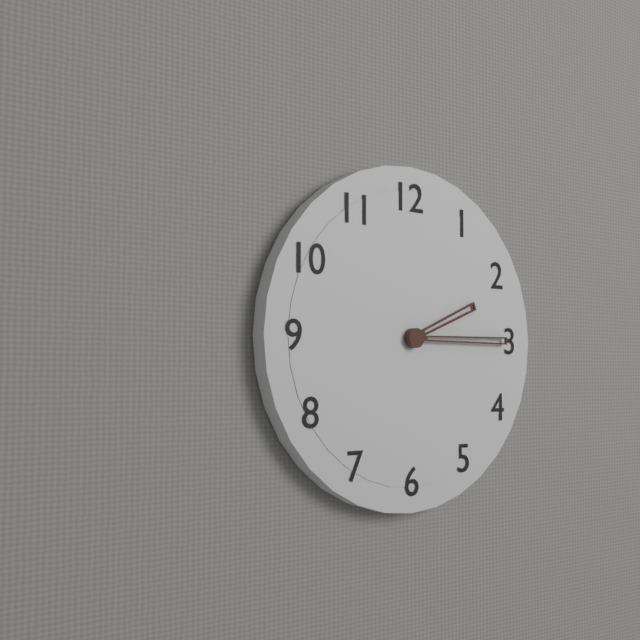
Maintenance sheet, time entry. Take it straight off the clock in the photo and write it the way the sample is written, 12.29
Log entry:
2.15
